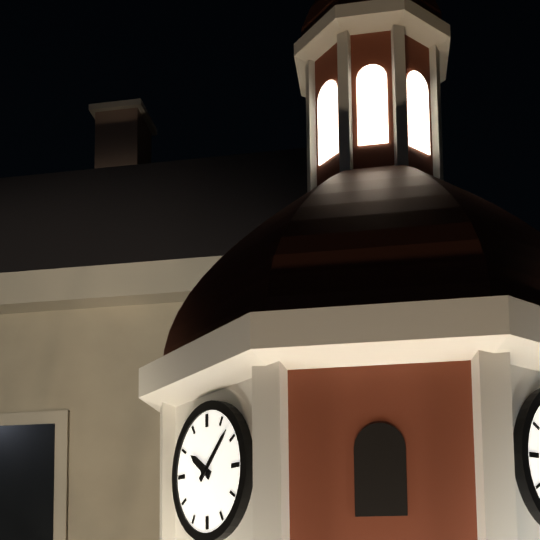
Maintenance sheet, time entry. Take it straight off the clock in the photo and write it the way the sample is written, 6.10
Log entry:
10.08
